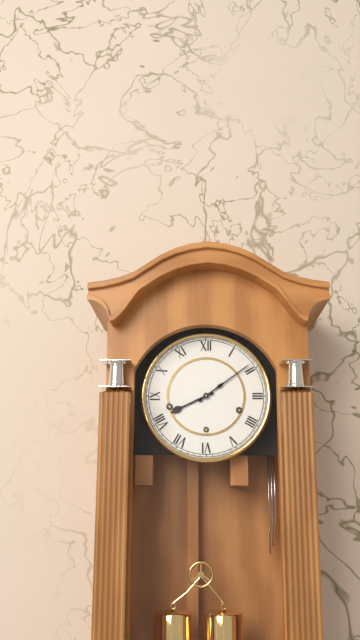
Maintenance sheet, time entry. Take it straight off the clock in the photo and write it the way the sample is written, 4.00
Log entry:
8.09
